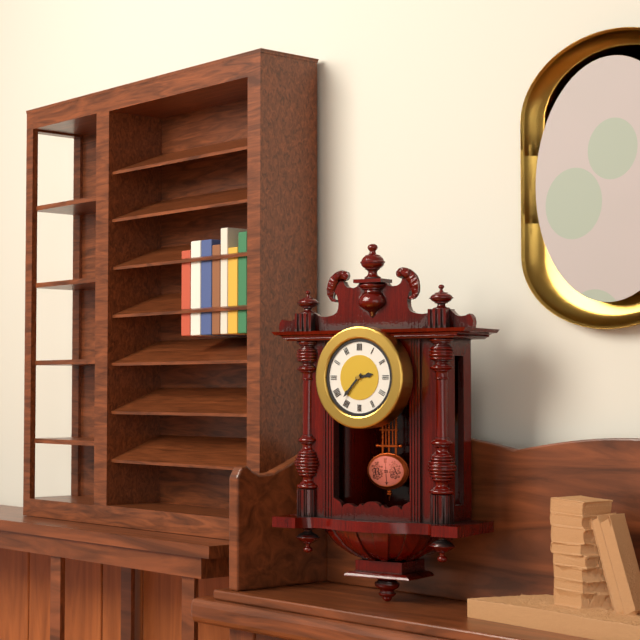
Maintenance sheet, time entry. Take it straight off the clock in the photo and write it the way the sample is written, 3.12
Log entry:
2.37
